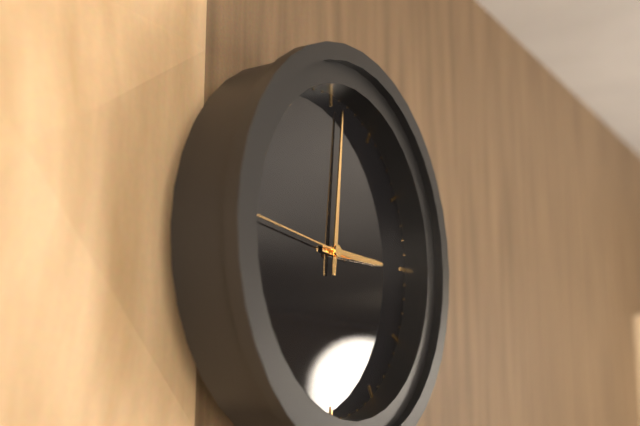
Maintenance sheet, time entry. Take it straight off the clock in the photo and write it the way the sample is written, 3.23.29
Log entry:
3.01.46
